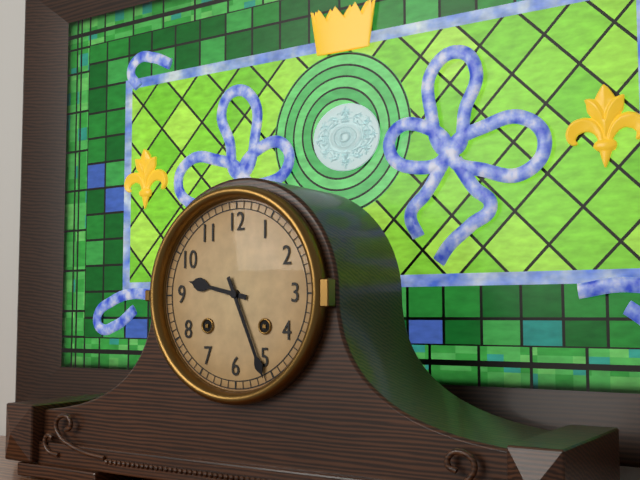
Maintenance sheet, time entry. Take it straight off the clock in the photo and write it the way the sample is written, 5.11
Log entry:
9.26
